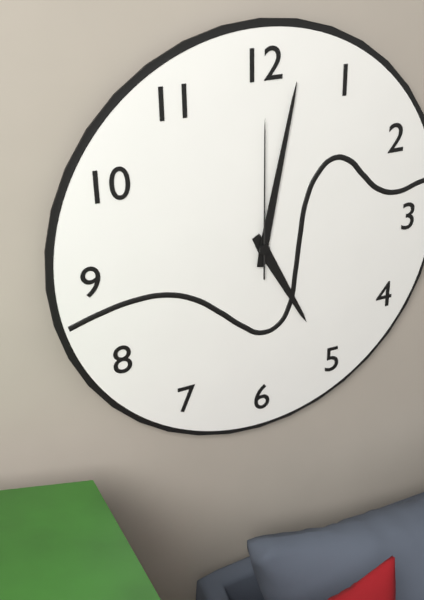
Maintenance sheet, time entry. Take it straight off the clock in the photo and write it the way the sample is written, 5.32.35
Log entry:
5.02.00
